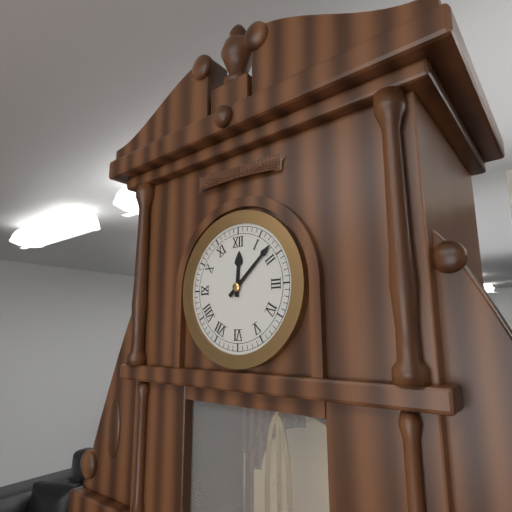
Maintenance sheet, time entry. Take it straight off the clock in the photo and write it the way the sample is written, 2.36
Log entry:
12.08
